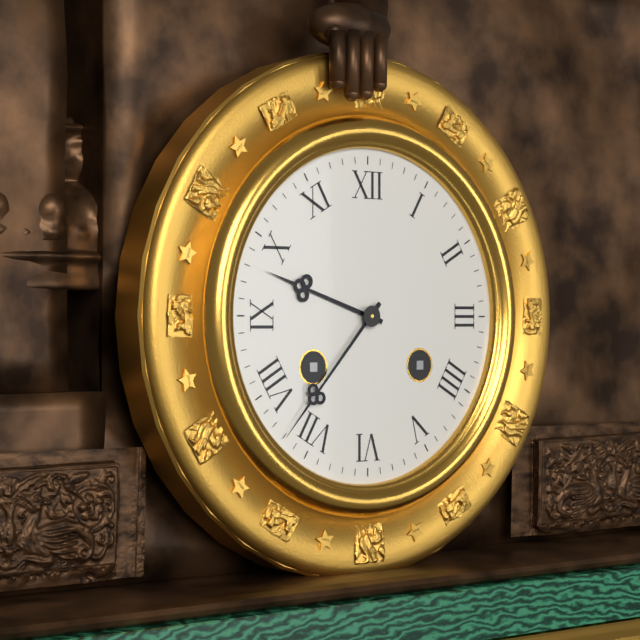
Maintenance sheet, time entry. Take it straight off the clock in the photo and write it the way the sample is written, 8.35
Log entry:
9.37
